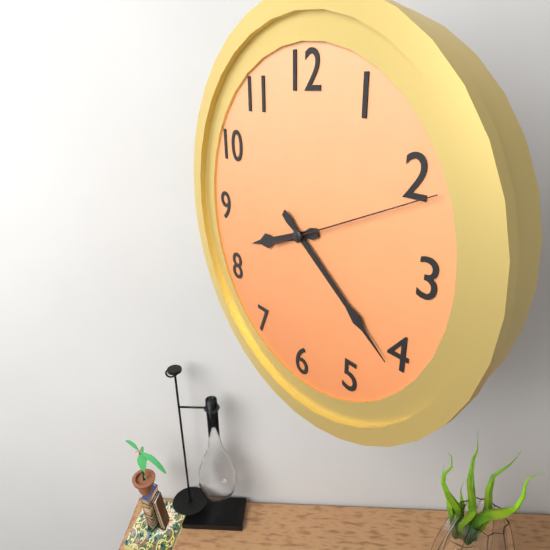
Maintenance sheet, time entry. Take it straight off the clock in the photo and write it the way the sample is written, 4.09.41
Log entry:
8.21.11
